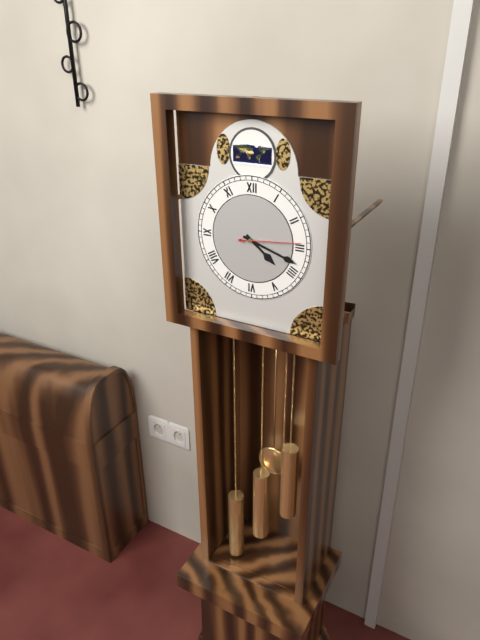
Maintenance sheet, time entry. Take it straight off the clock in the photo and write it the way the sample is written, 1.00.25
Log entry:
4.18.14
